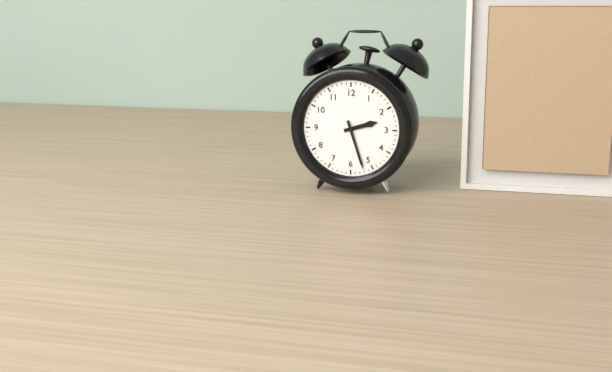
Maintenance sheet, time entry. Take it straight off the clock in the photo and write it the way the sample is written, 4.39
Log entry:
2.27
